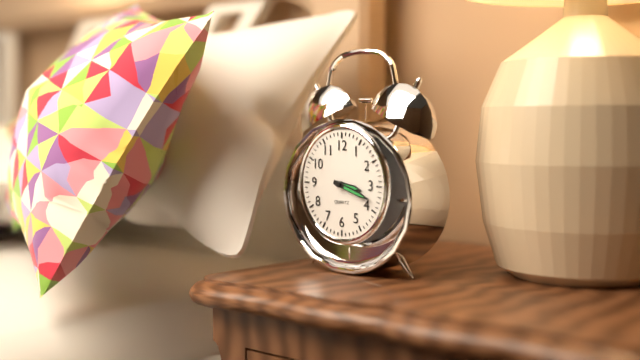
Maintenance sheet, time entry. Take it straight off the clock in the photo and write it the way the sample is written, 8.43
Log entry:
3.18
